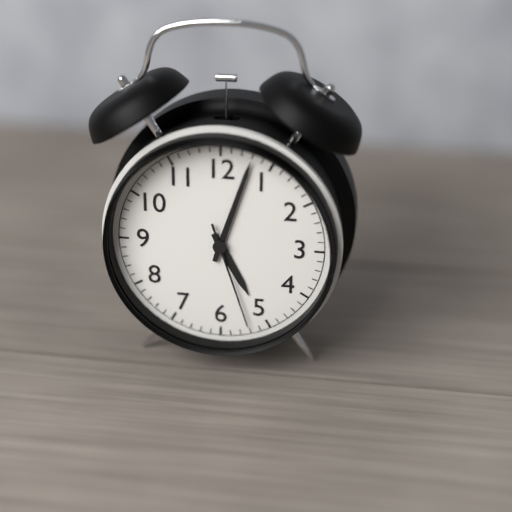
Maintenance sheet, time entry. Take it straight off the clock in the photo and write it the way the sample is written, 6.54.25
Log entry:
5.03.27
